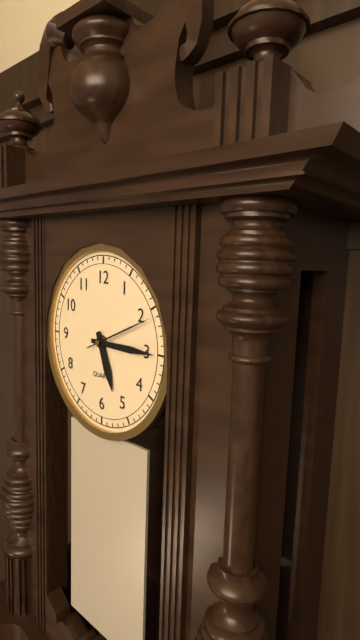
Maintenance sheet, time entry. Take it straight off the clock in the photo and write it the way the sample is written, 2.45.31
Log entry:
5.15.11
